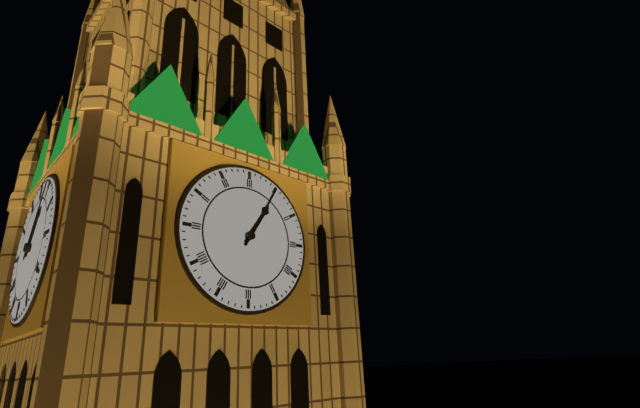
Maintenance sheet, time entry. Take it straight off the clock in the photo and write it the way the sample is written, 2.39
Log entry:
1.05
